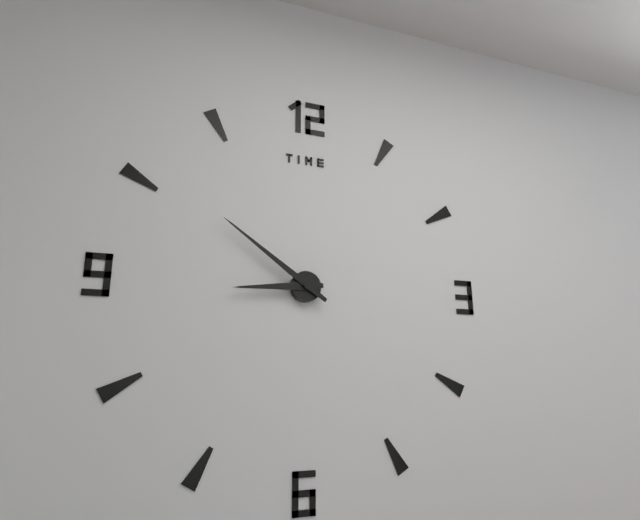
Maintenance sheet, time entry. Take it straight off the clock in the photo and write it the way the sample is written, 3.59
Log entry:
8.51
